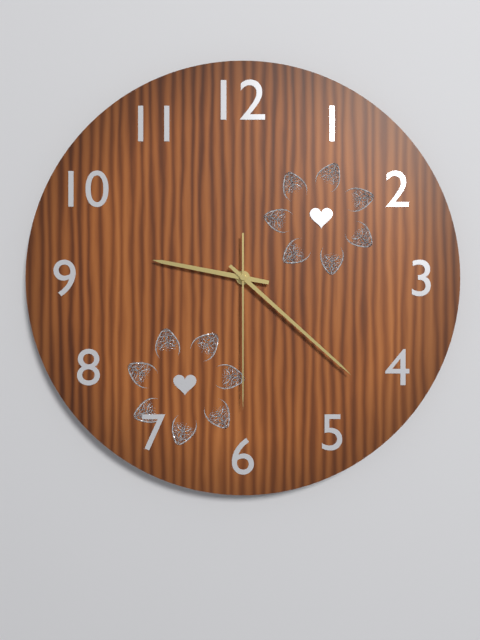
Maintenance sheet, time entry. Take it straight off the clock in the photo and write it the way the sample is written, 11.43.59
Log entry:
9.22.30
